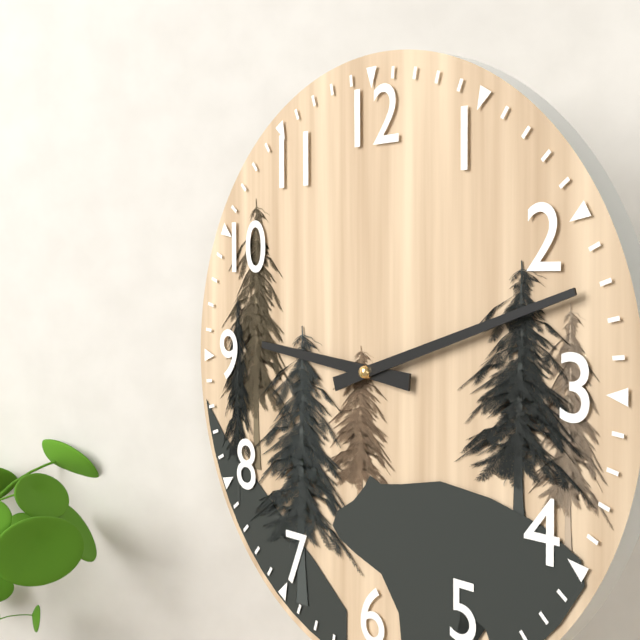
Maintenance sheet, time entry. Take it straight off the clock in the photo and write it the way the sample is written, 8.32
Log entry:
9.12
